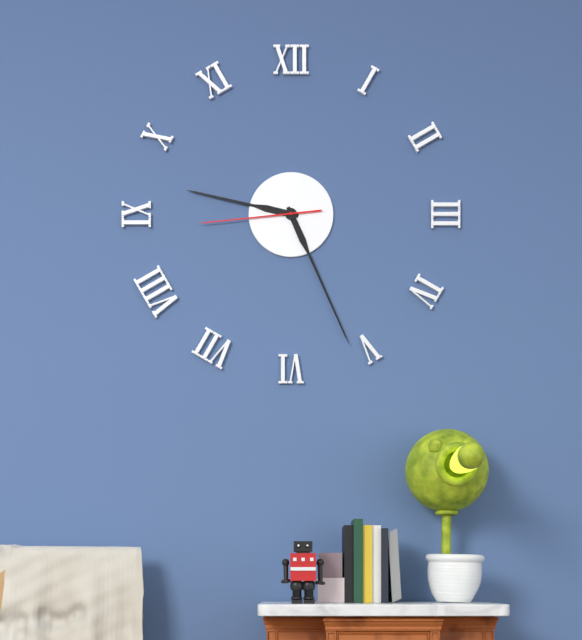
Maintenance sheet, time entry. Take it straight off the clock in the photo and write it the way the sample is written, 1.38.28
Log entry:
9.26.44
